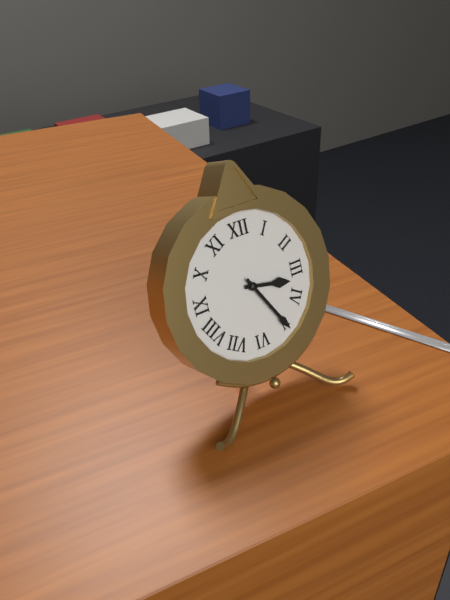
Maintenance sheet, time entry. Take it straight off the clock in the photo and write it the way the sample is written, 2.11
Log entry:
3.25
